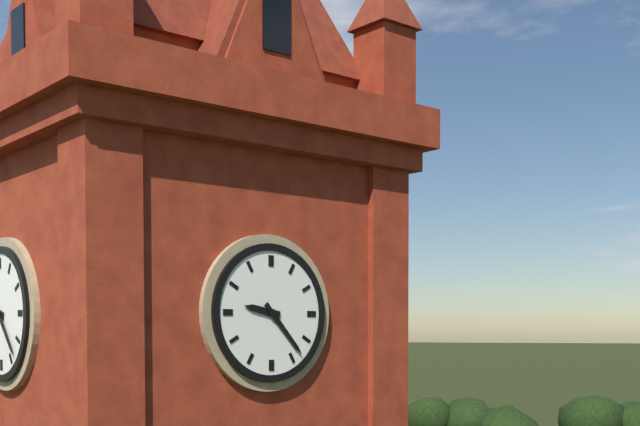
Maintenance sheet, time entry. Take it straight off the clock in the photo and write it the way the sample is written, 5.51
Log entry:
9.23
